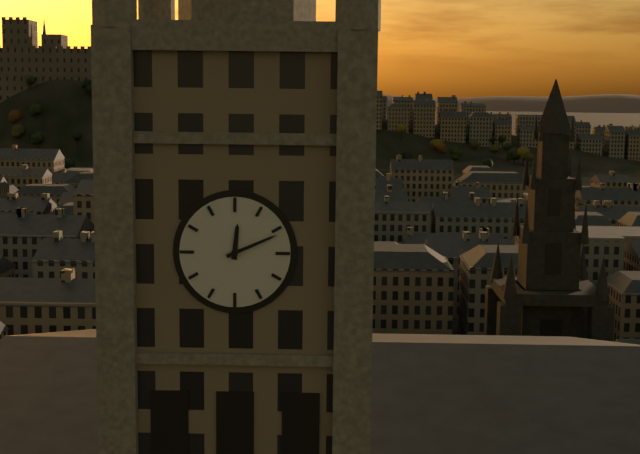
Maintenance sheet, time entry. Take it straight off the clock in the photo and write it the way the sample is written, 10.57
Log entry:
12.11
